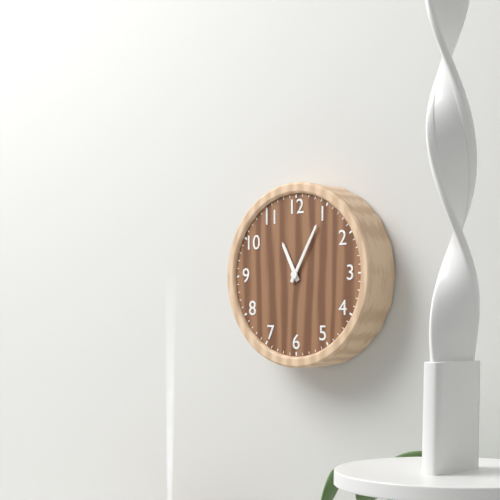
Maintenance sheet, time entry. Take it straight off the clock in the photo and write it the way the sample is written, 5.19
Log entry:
11.05
